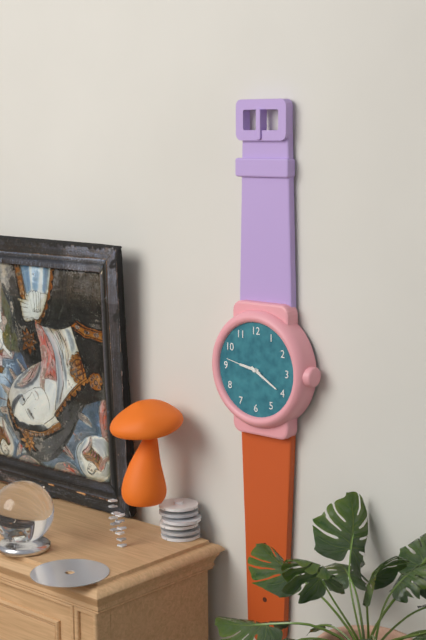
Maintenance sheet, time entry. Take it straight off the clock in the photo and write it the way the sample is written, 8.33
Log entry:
9.20
